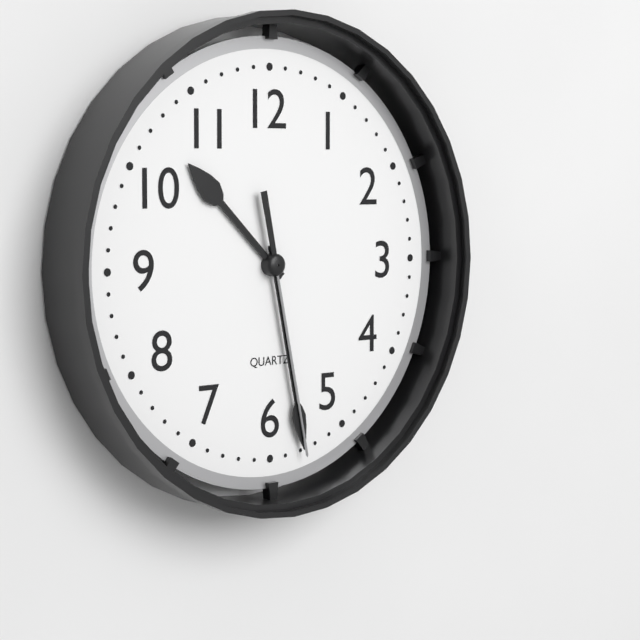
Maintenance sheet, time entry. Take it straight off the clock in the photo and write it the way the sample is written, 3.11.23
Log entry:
10.28.28
